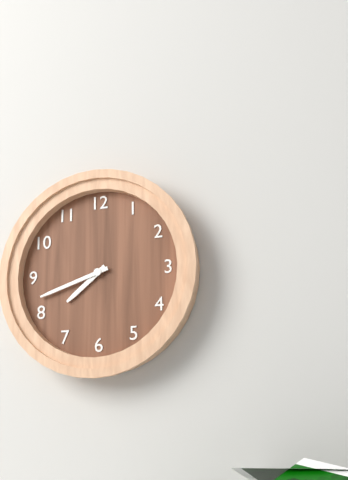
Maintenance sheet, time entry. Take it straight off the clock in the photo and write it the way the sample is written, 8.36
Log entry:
7.42
